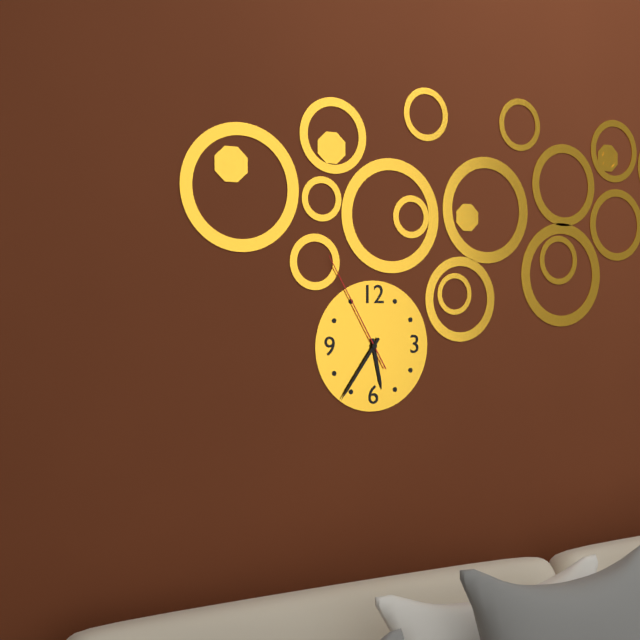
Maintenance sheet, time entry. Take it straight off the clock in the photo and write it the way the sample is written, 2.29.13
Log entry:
5.36.55
